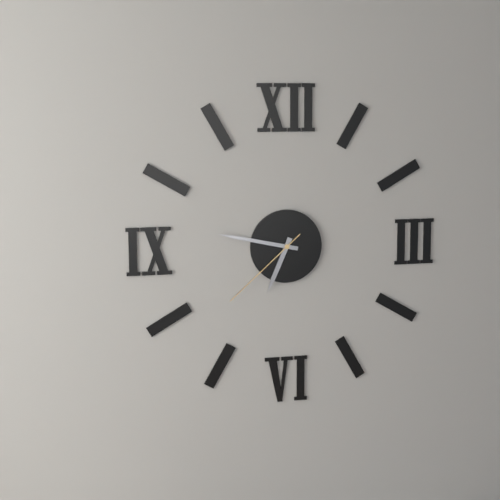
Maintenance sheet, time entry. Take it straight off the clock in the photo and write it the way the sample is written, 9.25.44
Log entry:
6.47.38
